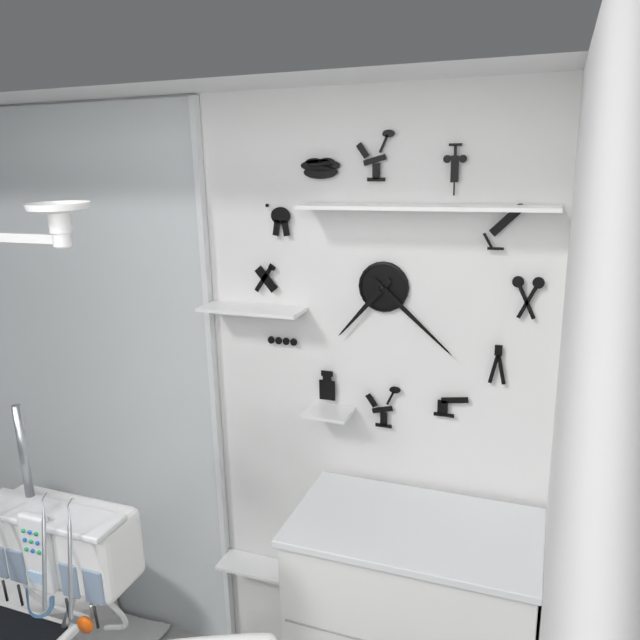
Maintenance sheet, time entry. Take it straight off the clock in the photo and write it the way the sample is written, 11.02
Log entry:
7.22
